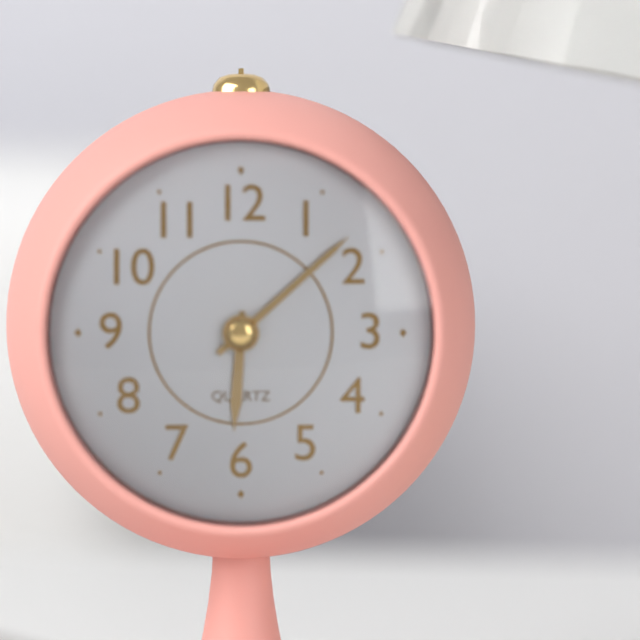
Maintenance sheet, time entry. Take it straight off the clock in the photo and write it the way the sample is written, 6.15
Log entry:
6.08
